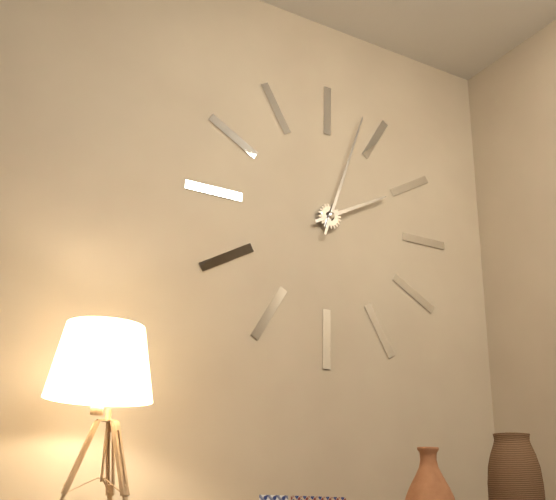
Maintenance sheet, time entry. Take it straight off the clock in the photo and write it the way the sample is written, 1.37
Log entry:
2.03
